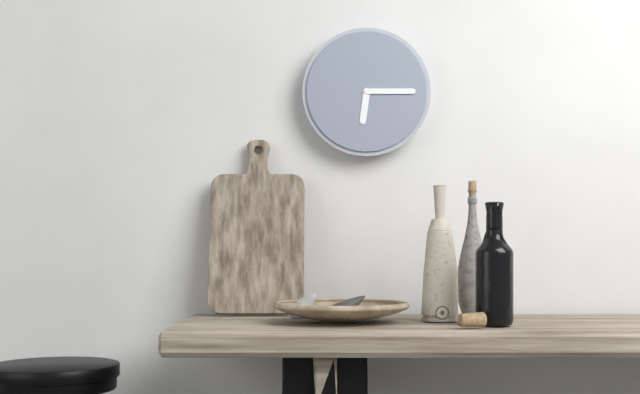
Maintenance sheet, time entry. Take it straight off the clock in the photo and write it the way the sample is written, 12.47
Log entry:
6.15
